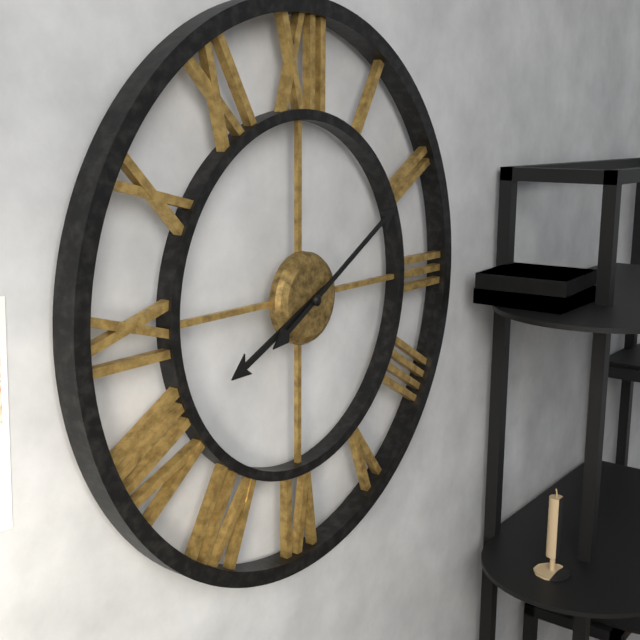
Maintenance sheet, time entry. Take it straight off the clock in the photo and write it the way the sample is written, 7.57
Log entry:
8.10
